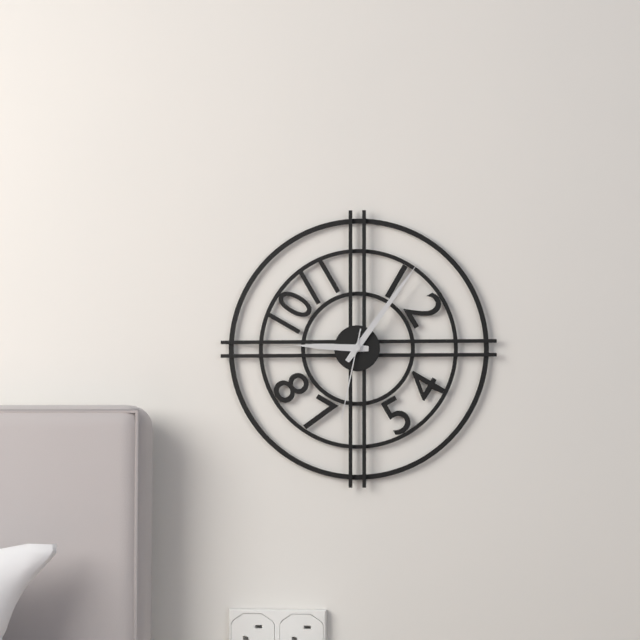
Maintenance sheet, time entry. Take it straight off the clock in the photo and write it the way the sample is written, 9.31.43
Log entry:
9.06.32
